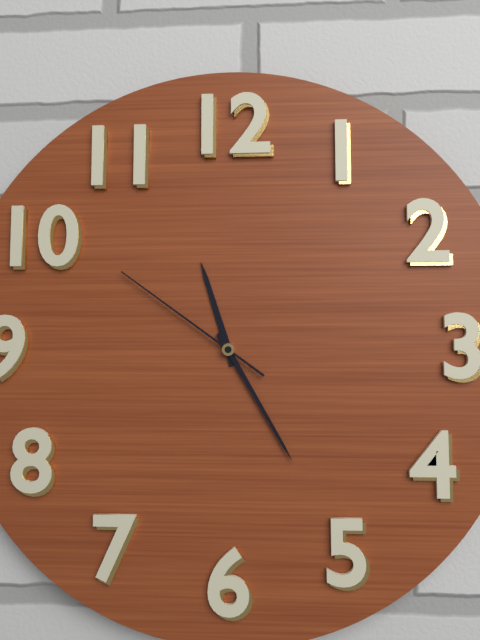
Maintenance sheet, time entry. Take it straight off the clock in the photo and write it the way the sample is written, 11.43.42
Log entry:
11.25.51
